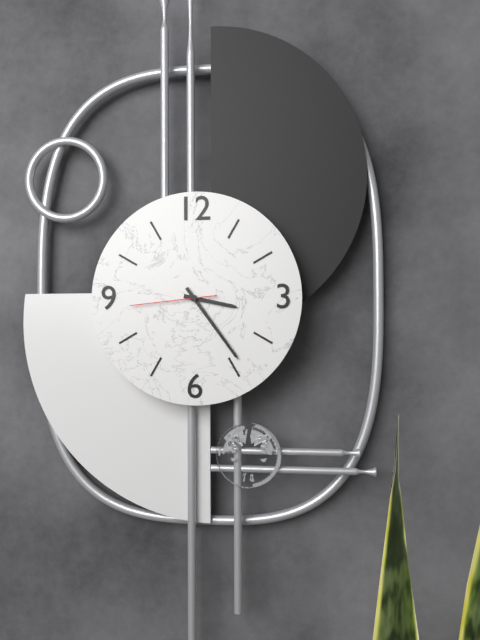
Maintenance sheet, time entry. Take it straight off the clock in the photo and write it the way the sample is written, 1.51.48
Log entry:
3.24.44
